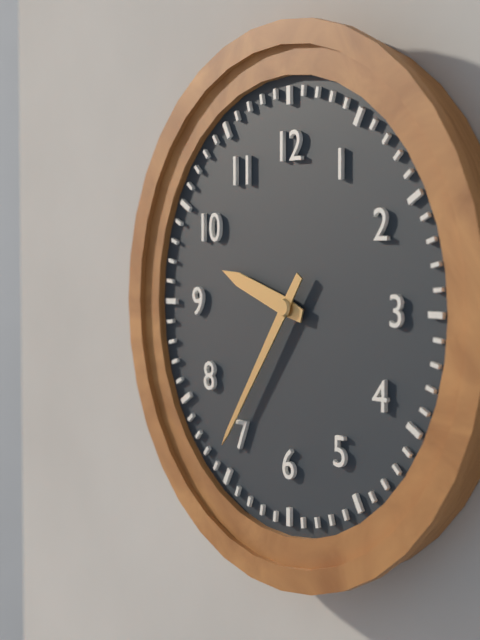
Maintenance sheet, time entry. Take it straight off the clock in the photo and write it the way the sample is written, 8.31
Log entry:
9.36
